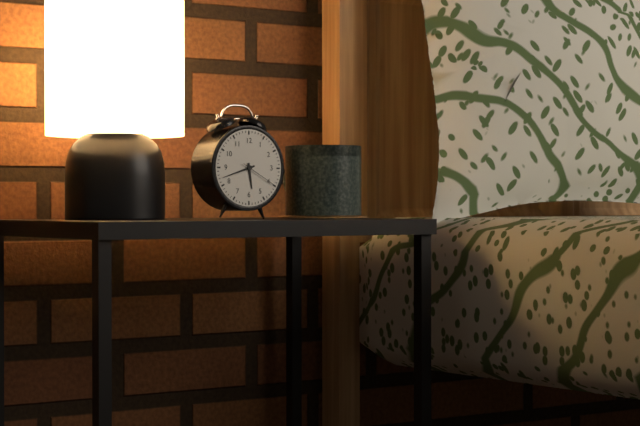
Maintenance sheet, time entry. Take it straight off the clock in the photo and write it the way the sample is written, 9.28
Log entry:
5.42
